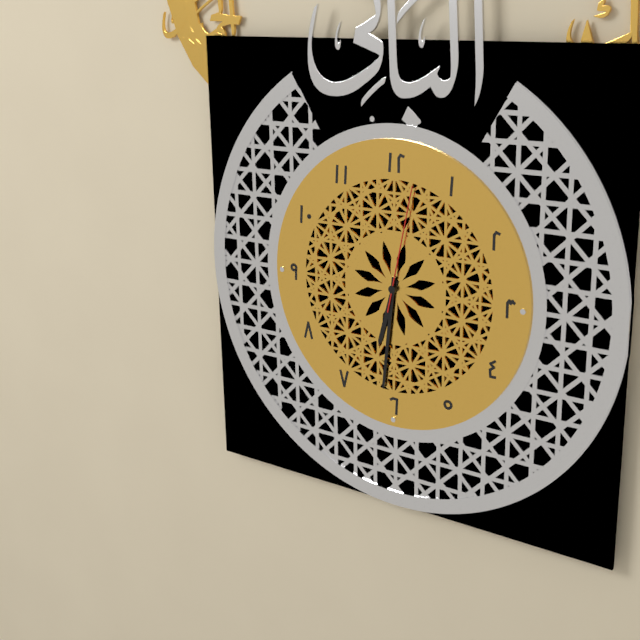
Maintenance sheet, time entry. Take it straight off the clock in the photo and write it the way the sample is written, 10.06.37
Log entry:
6.31.02
